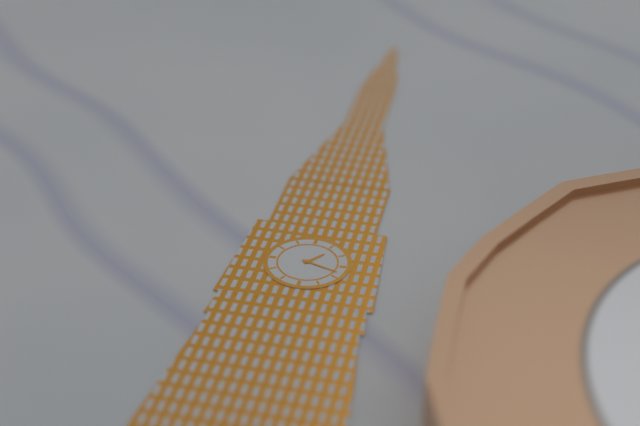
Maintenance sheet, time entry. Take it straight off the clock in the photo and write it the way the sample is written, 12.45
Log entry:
1.18
